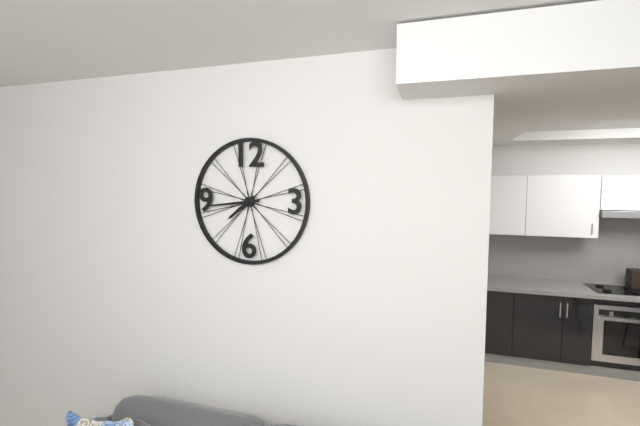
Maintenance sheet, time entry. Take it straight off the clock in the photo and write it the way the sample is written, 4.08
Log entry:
7.44
